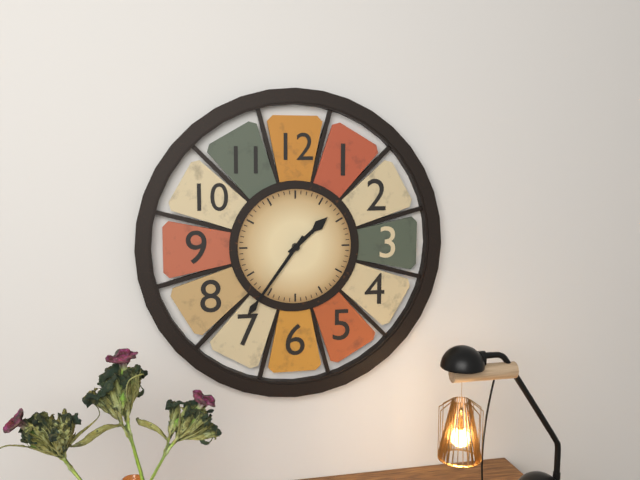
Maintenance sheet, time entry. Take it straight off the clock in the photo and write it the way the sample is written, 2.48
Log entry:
1.36
